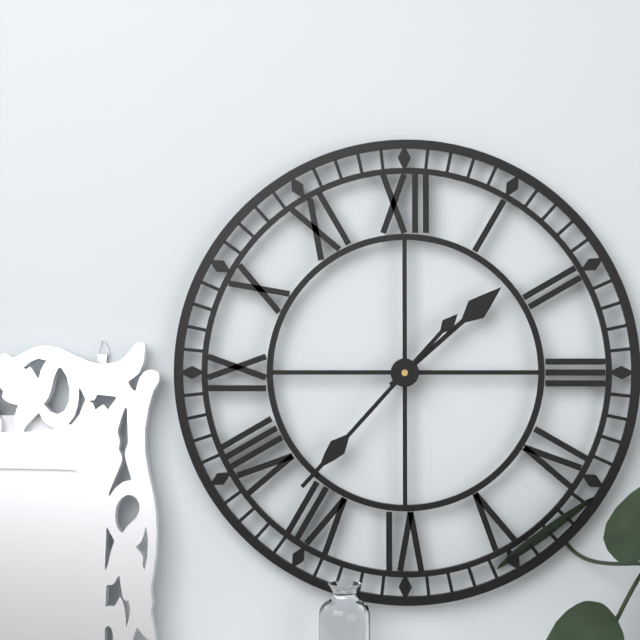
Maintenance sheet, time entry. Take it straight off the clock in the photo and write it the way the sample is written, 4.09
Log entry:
1.37
